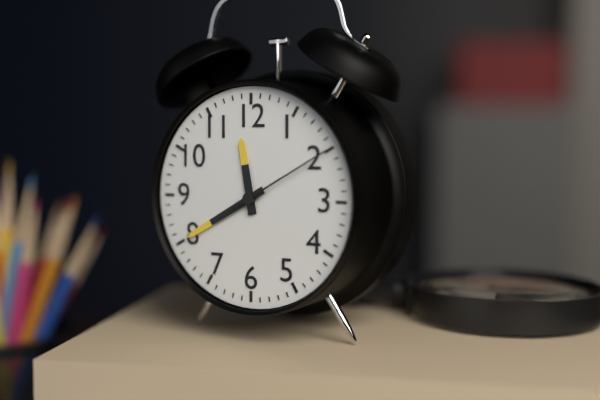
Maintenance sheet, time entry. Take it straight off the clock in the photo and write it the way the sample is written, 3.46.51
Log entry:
11.40.10
